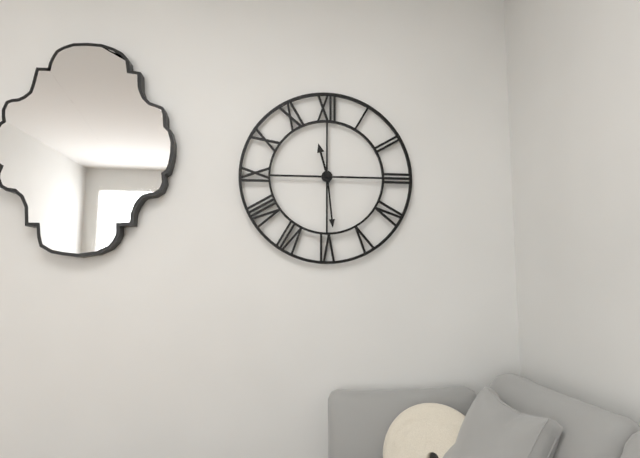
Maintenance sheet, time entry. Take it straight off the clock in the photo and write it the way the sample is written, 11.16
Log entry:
11.29
